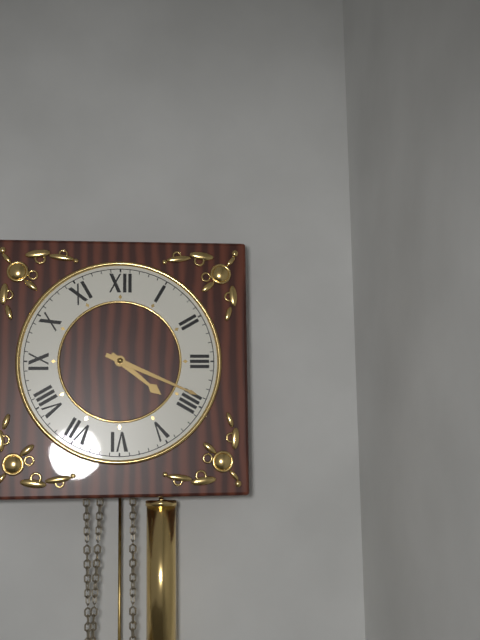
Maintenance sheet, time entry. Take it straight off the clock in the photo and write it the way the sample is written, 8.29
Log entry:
4.19
